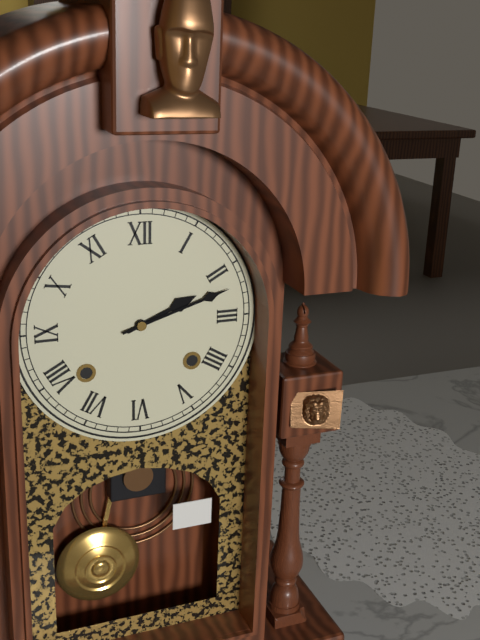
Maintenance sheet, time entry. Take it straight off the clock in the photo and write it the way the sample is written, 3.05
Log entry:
2.12
